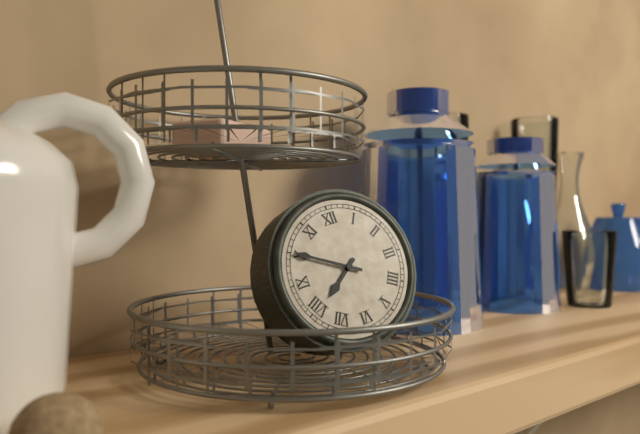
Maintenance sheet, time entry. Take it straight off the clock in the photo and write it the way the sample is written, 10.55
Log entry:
7.50
